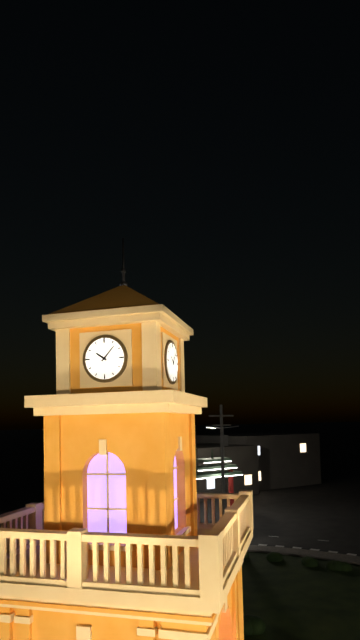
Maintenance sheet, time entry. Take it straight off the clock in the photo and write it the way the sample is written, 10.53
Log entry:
10.07
